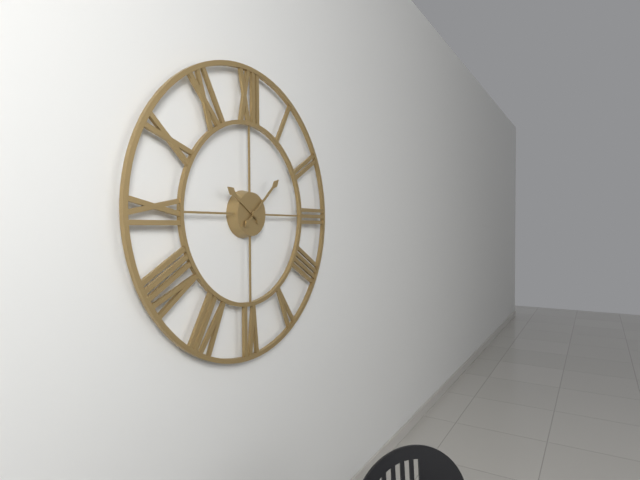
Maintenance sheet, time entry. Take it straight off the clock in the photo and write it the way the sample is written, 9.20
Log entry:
10.08
